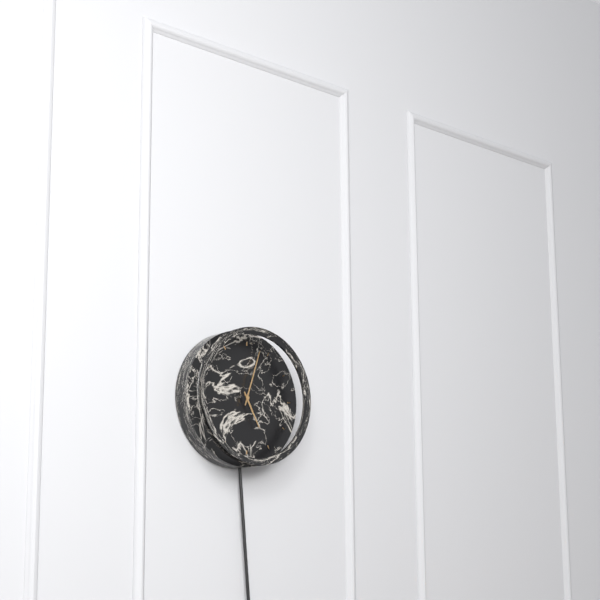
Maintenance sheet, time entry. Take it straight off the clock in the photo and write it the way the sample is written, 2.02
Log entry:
5.03
